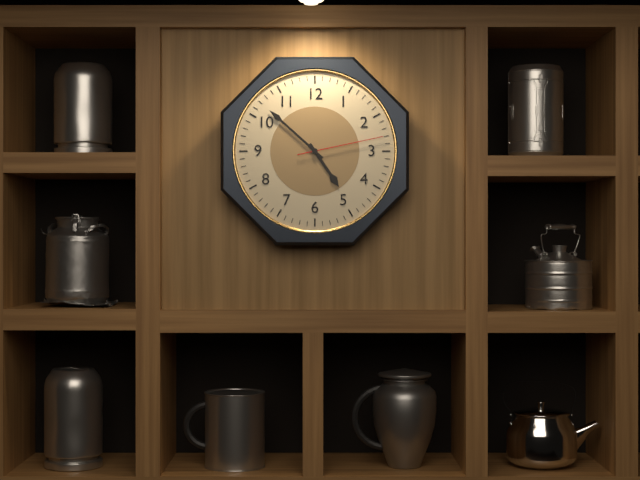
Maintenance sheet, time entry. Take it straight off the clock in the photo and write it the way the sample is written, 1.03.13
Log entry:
4.52.13
